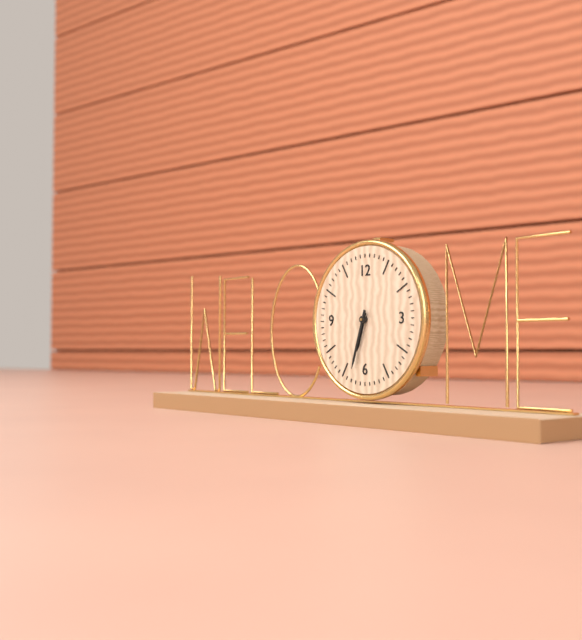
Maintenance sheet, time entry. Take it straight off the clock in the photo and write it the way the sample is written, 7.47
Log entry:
6.33
